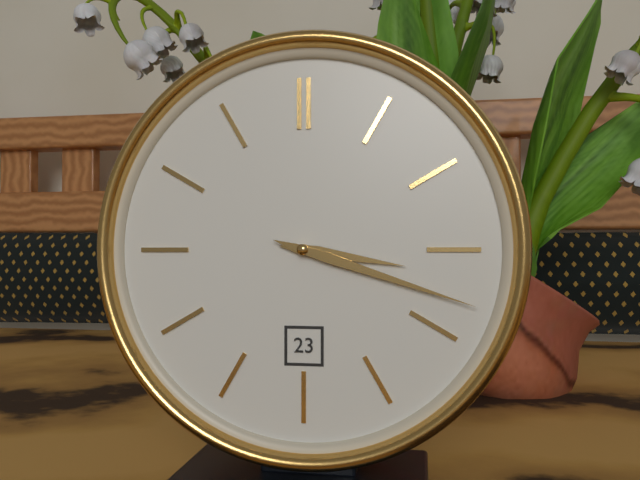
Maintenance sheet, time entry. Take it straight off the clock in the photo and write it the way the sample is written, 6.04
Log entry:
3.18
